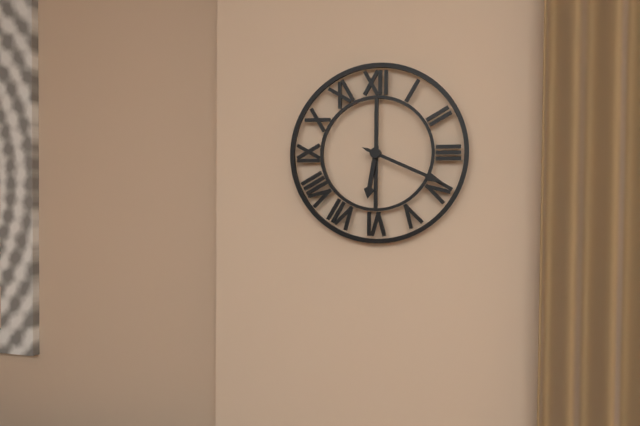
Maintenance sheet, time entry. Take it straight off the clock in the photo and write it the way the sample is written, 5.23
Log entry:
6.19
